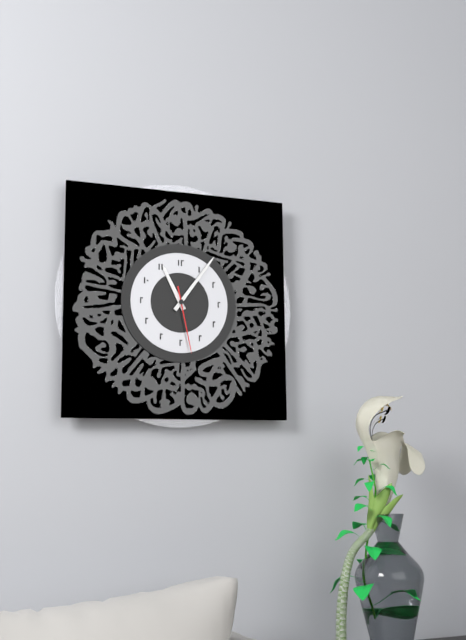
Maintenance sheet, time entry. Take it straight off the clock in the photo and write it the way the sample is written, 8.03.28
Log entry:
11.06.28
